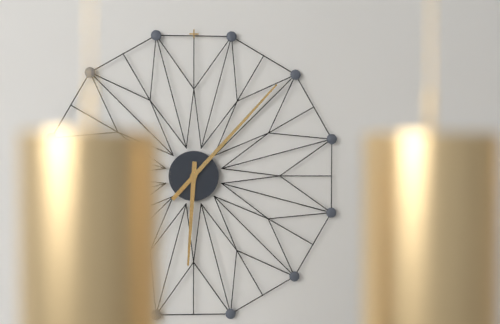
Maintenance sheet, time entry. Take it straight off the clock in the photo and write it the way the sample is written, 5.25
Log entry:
6.07
